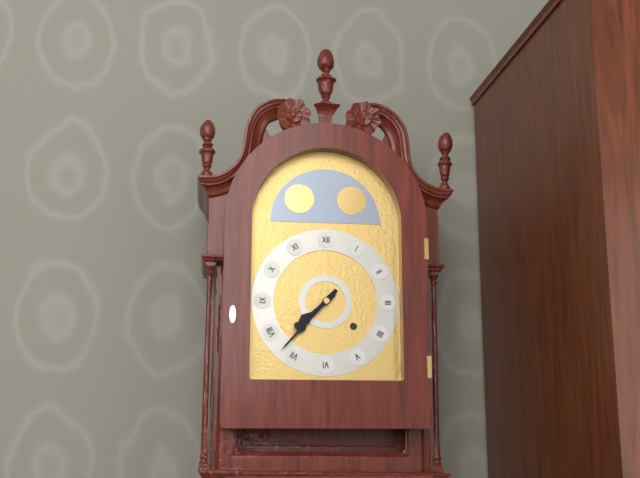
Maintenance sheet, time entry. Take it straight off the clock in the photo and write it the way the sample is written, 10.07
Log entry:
7.37
